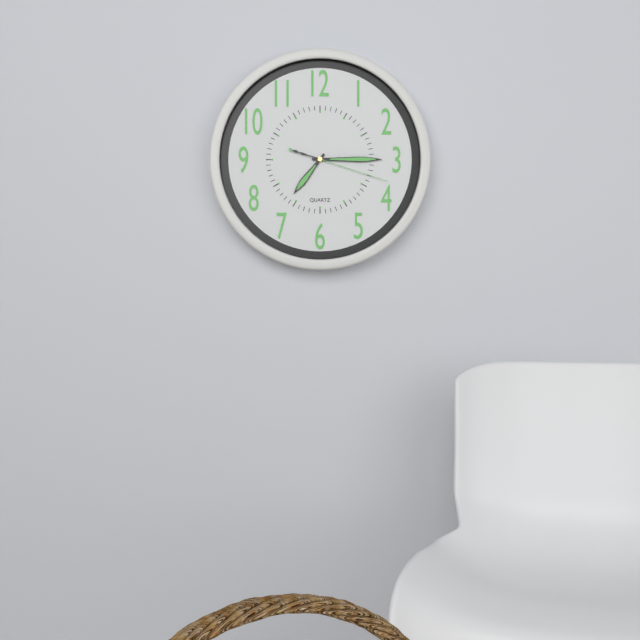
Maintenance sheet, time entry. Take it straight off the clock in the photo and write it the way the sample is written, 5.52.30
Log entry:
7.15.18
